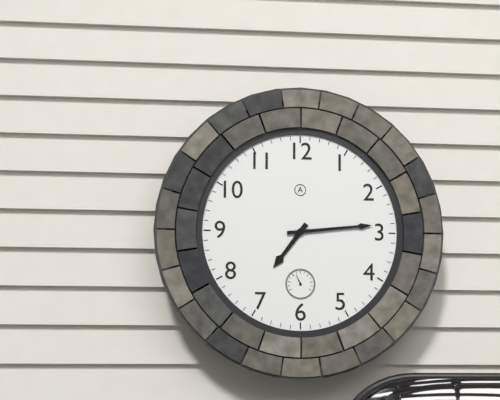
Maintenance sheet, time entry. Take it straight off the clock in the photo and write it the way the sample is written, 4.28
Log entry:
7.14
